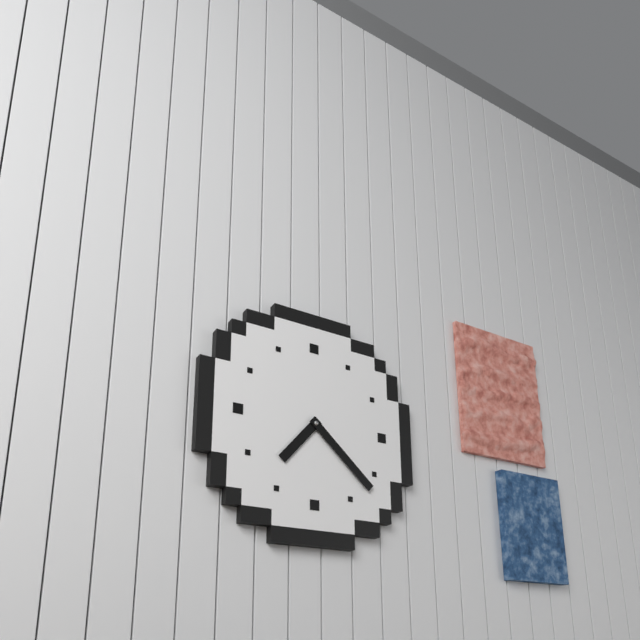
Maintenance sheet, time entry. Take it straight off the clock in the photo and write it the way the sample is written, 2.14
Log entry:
7.22
